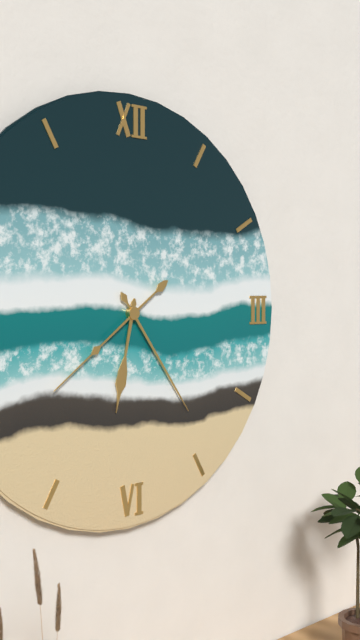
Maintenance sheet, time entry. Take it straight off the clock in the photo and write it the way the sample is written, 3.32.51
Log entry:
6.24.39
